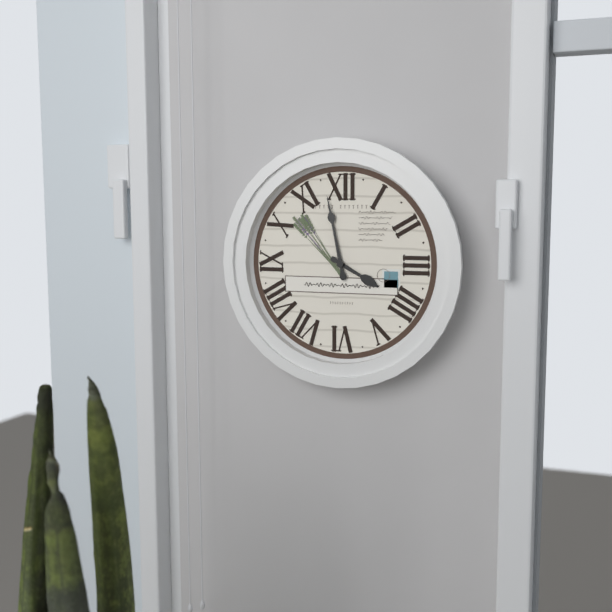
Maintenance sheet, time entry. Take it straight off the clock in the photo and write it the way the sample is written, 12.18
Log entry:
3.58
